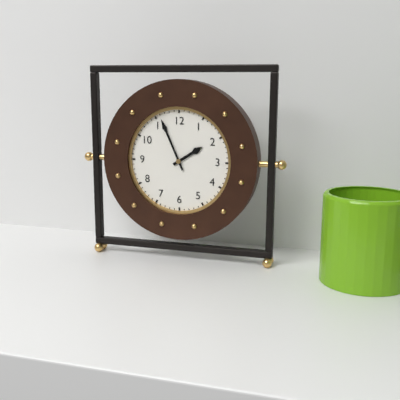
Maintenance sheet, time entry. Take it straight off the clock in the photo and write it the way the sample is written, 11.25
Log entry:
1.56
